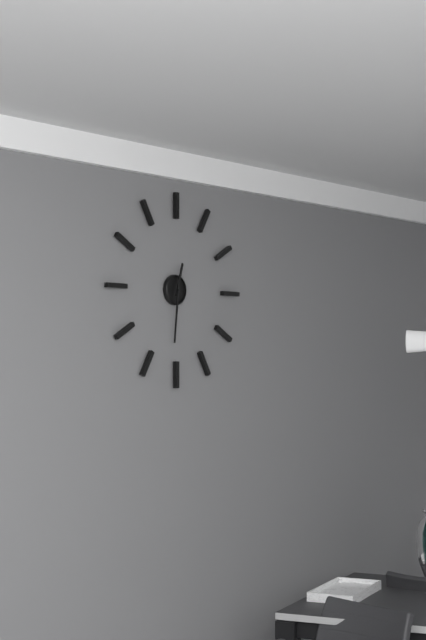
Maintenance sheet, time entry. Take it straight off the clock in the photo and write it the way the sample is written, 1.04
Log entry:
12.31
